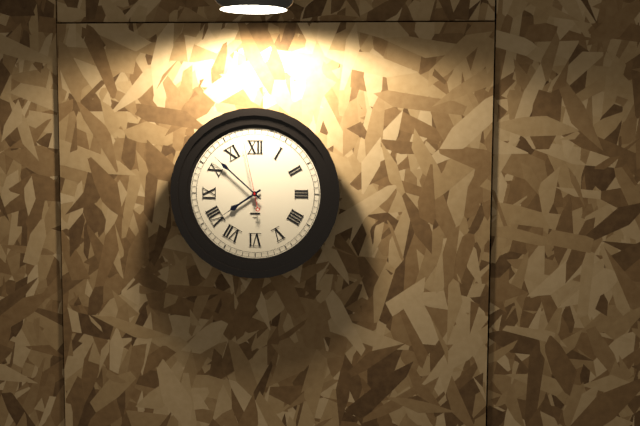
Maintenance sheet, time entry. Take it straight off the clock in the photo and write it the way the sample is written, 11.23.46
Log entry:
7.52.58
